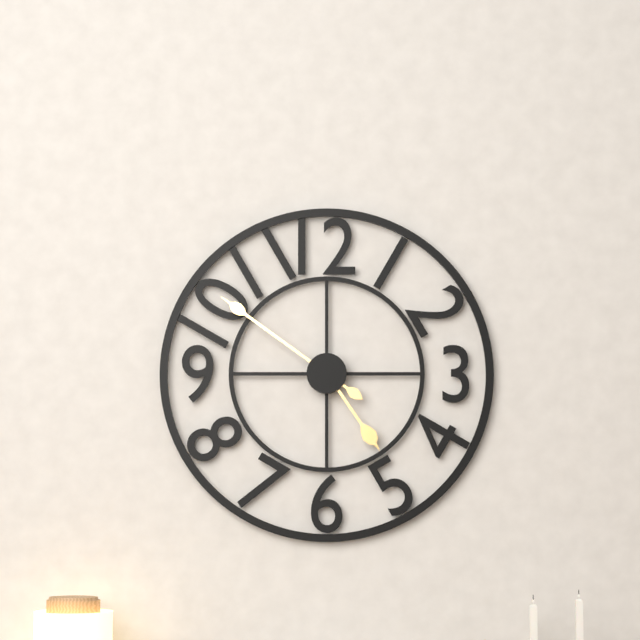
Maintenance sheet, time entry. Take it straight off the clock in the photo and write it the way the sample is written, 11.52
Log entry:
4.51
